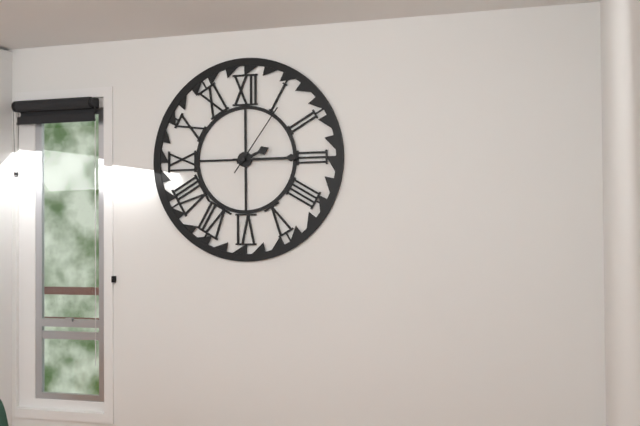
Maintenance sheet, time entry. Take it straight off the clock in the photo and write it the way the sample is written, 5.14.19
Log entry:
2.15.06
